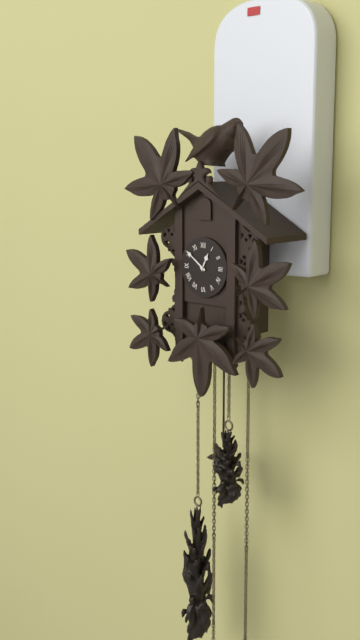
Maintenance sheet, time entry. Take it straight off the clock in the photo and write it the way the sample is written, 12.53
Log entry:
12.51
